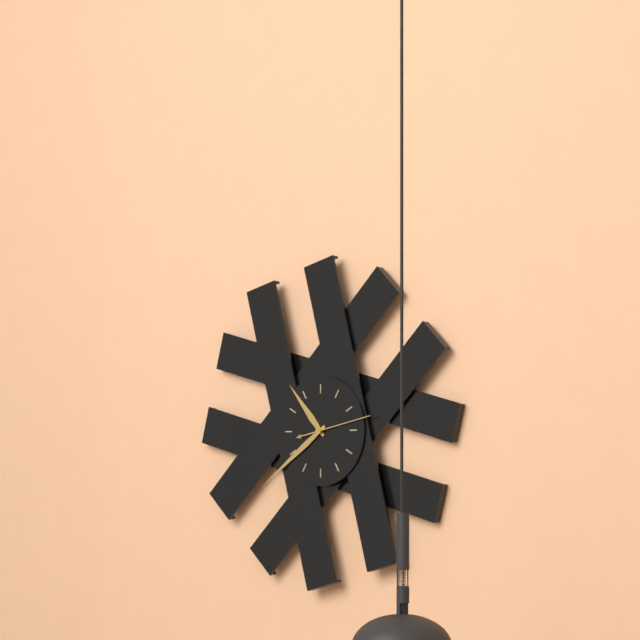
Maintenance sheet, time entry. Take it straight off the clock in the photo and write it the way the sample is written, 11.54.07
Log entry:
10.39.13
